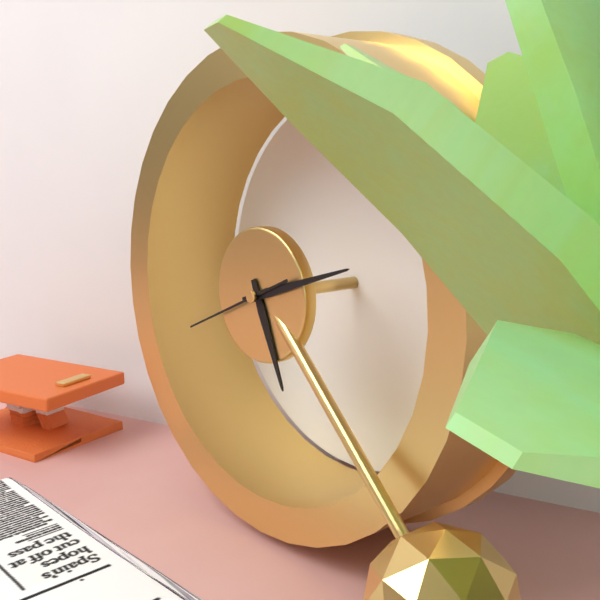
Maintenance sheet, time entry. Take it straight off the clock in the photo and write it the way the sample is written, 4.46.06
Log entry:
5.12.41
